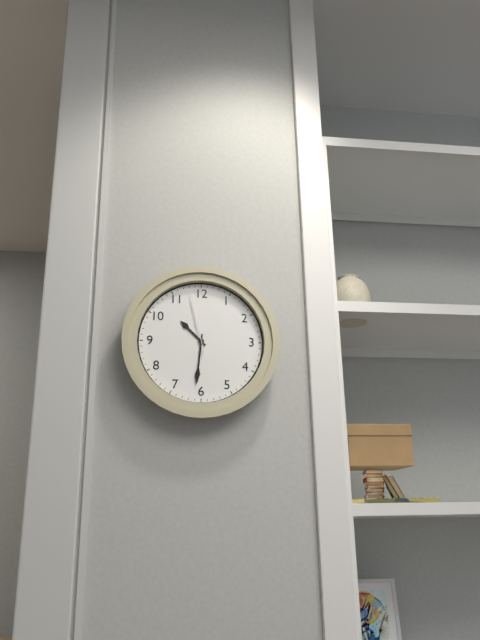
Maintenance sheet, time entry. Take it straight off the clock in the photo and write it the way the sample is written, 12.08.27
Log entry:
10.31.58
